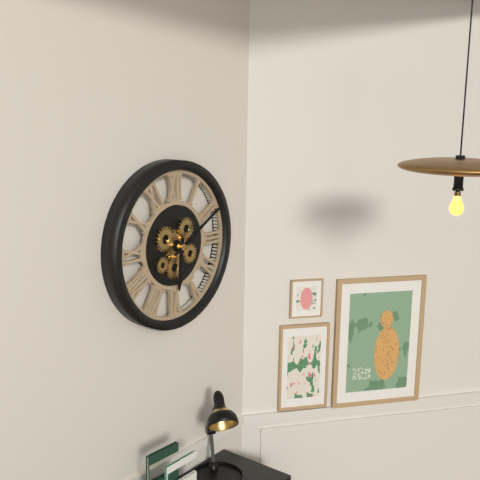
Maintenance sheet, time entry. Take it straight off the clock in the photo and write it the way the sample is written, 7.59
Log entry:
6.10
